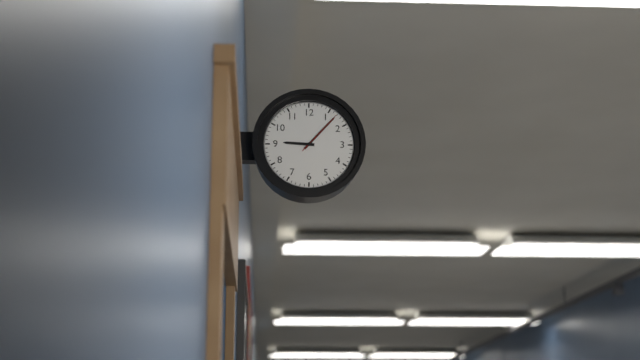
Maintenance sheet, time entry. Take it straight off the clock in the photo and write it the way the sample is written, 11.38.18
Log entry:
9.07.07
